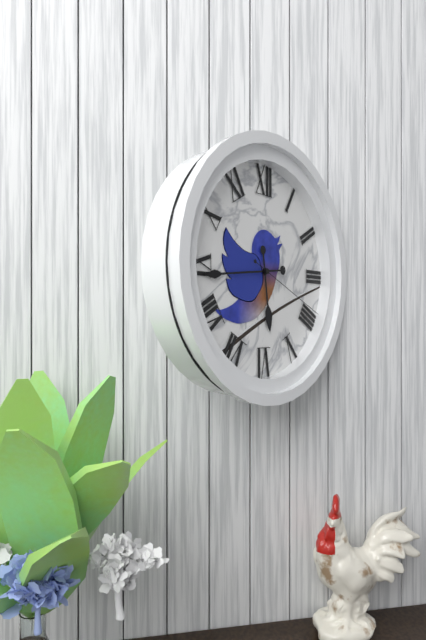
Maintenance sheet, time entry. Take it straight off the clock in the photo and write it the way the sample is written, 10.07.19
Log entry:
5.44.19
